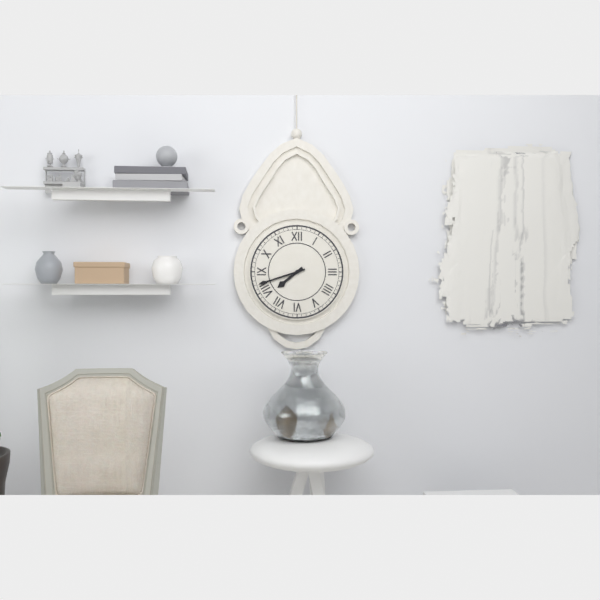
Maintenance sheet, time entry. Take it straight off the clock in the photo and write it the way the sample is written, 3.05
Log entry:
7.42
